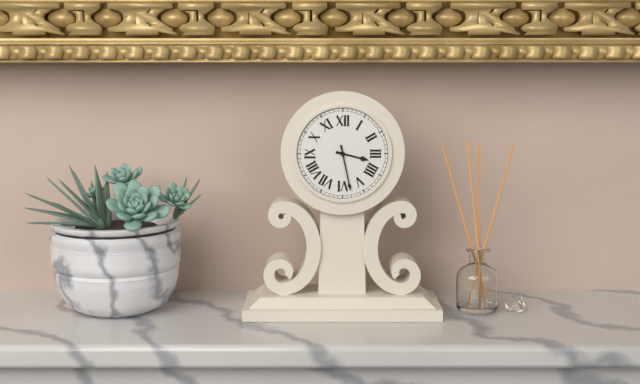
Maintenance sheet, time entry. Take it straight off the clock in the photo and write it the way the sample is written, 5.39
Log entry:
3.28
